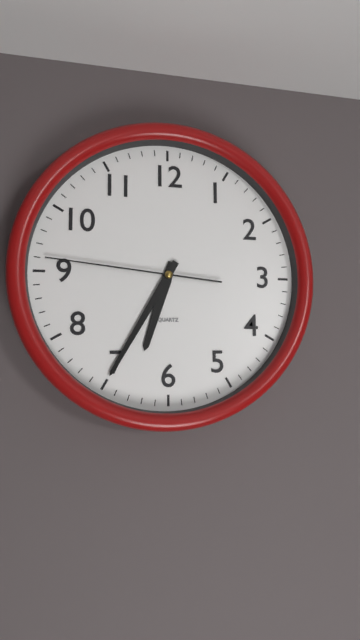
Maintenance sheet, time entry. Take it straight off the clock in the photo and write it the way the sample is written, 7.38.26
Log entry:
6.35.46
